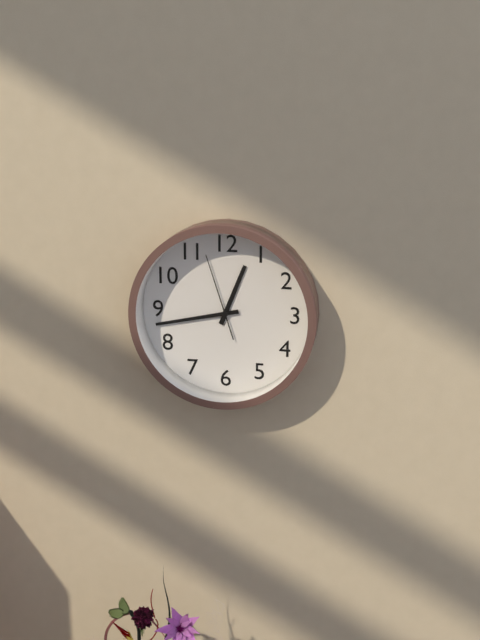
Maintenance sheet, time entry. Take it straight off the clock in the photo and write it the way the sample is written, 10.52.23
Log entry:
12.43.57
